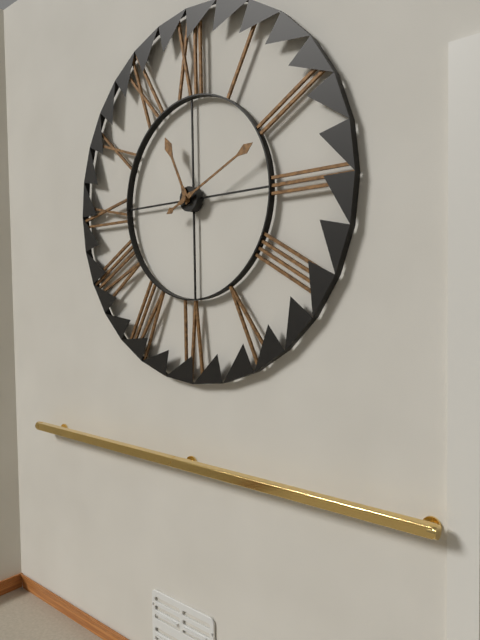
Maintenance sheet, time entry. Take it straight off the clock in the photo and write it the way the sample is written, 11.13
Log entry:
11.11
